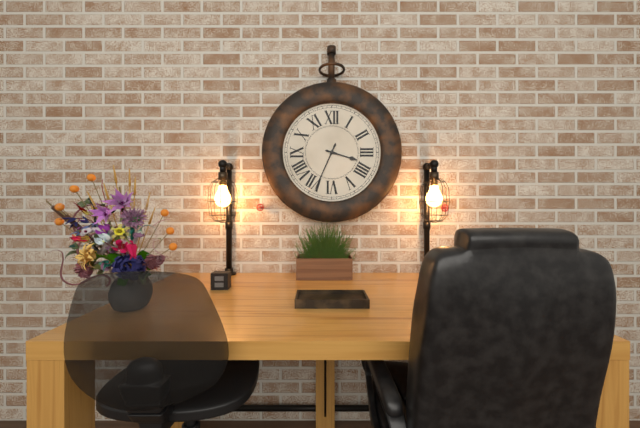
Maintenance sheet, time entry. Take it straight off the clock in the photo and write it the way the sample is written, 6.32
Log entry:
3.34
